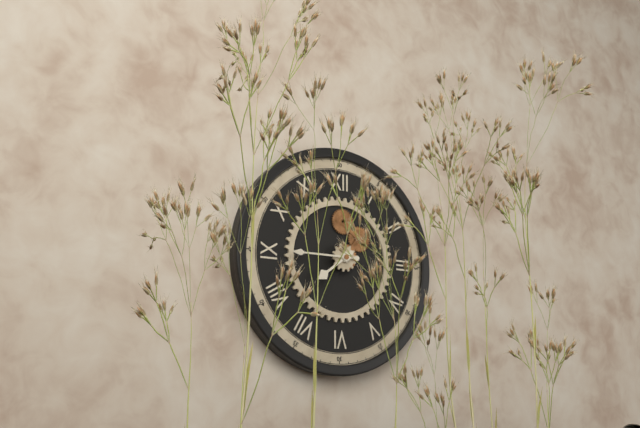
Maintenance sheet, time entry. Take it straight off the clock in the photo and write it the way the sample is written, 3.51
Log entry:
7.45
